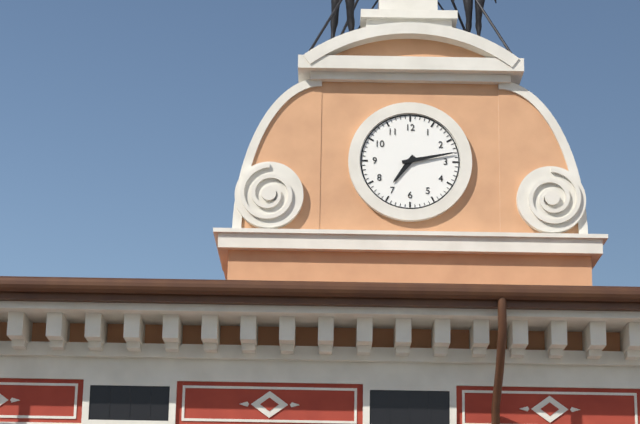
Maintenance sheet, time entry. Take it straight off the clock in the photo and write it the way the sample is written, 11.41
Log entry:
7.13
